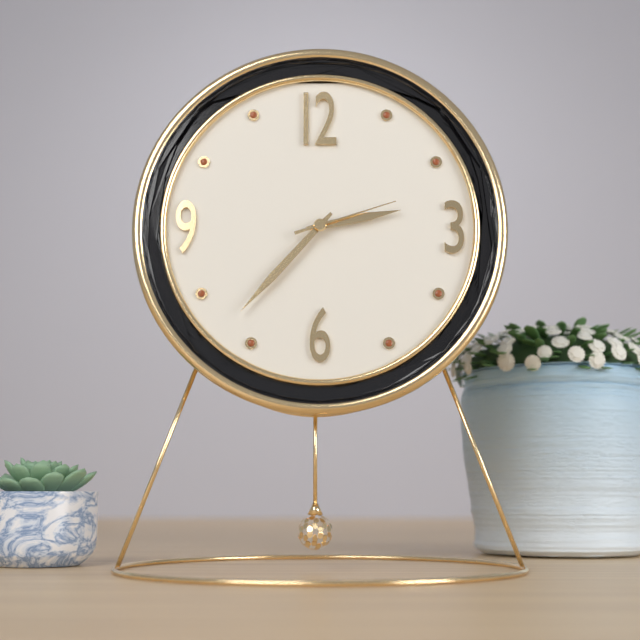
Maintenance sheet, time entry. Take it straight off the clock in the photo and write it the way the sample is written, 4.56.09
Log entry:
2.37.12
